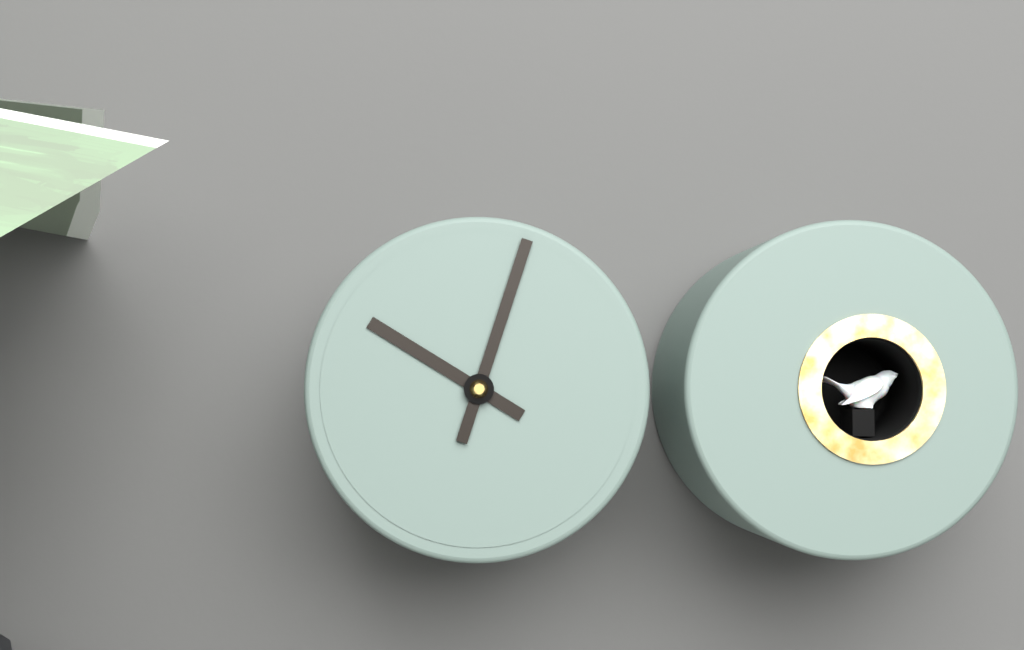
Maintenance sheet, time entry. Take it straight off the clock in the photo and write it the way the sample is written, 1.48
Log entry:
10.03
